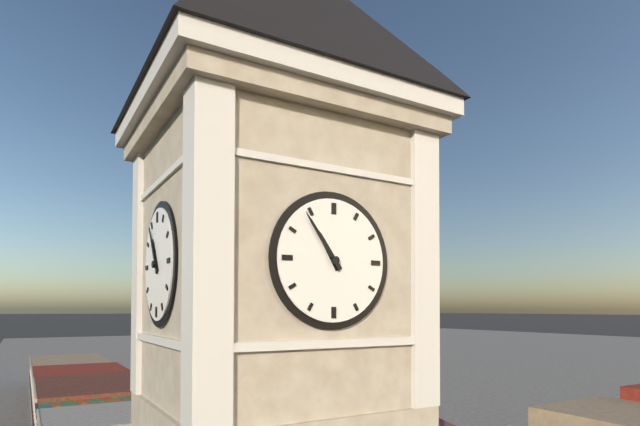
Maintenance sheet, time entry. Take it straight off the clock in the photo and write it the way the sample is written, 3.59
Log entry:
10.54
